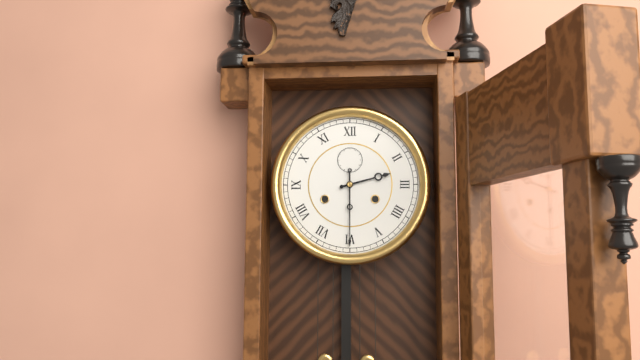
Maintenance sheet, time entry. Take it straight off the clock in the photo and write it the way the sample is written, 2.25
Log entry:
2.30
